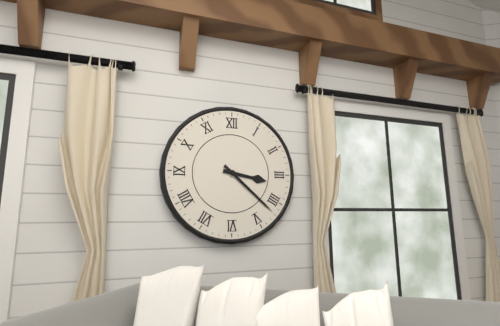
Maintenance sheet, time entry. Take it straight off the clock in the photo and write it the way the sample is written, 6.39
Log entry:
3.22
